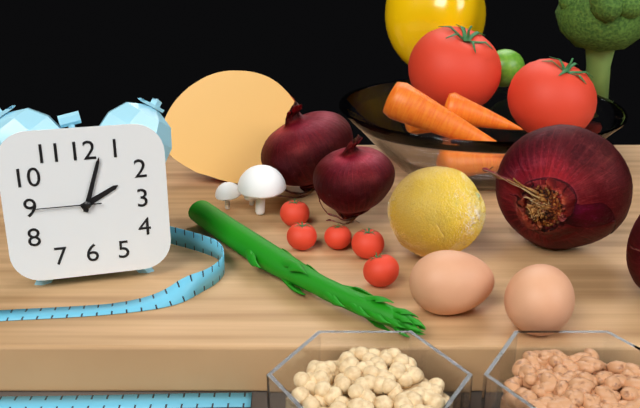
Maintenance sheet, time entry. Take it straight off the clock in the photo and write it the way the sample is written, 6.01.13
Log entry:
2.03.45
